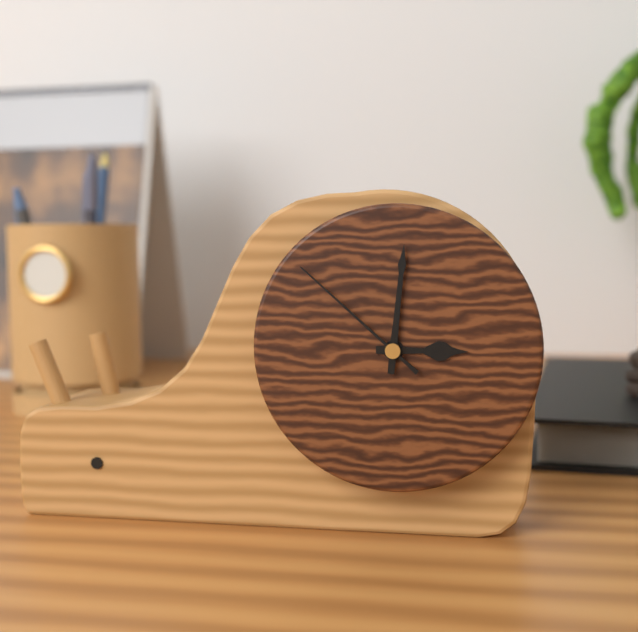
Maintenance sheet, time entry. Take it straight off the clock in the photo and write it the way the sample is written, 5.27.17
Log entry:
3.01.52
